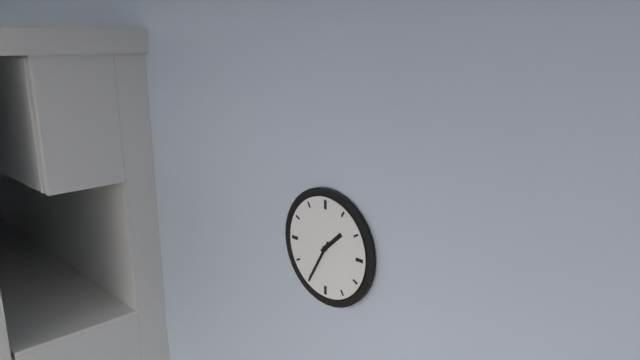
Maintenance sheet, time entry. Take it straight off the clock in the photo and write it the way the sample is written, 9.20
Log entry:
1.35
